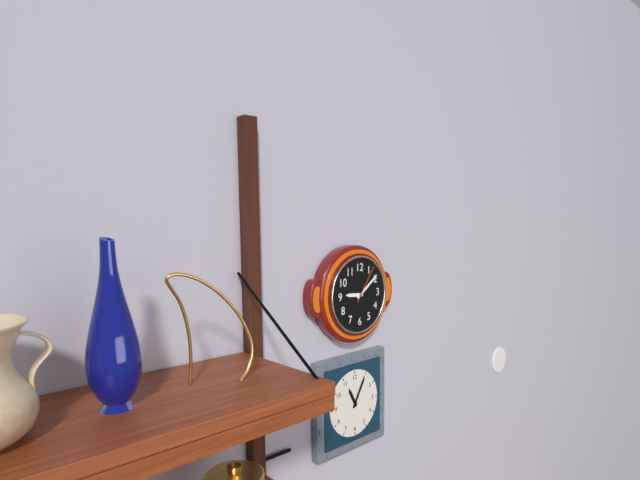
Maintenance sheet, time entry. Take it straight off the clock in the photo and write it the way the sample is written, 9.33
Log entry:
9.09
